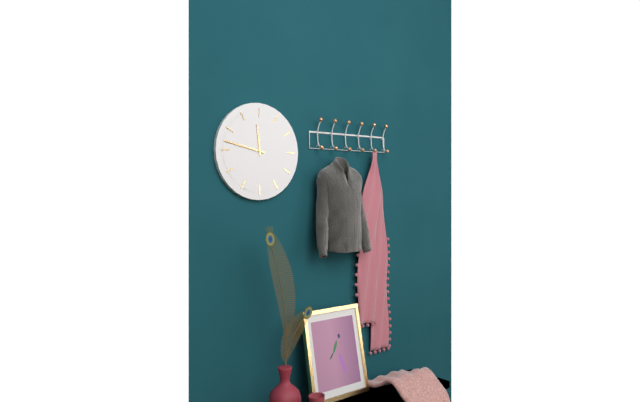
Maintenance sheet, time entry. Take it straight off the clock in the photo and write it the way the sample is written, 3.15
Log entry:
11.47
